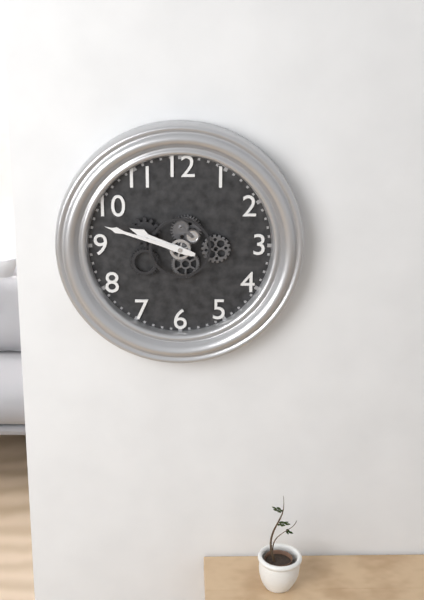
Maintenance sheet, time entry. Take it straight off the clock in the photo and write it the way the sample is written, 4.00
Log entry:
9.48
